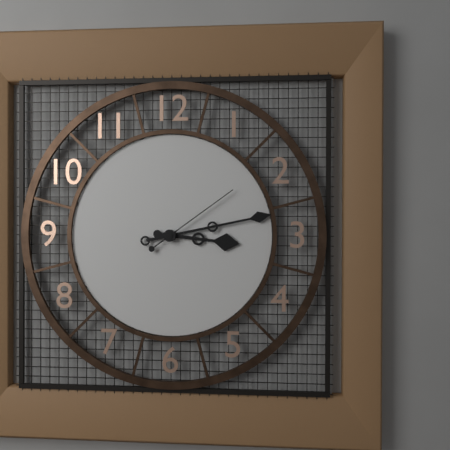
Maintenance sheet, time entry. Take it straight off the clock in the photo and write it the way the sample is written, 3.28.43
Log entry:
3.13.09
